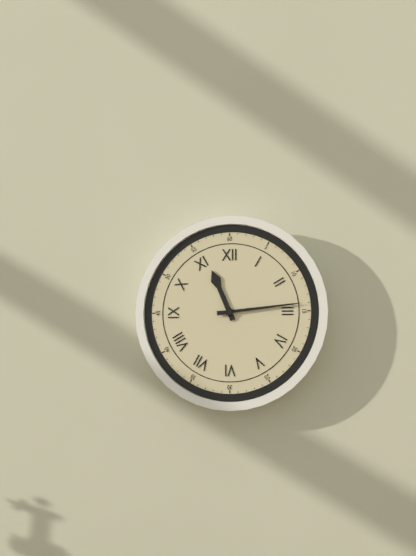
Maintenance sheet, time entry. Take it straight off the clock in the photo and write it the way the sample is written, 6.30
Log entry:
11.14
